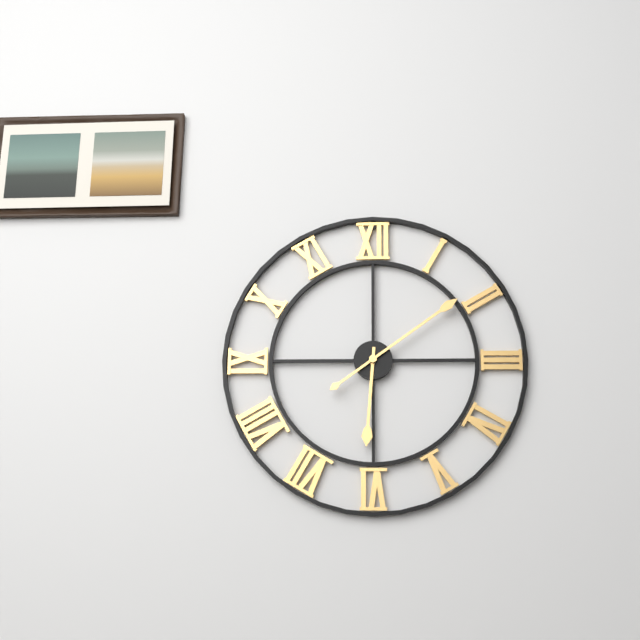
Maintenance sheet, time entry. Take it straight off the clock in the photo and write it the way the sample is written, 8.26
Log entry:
6.09
